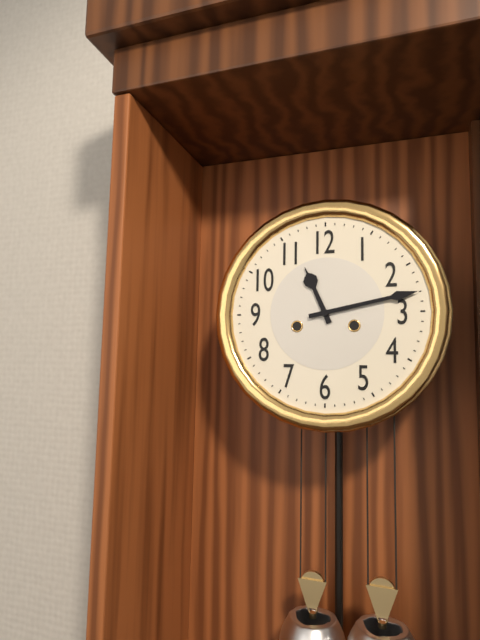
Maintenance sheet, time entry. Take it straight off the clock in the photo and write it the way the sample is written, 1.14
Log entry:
11.13
